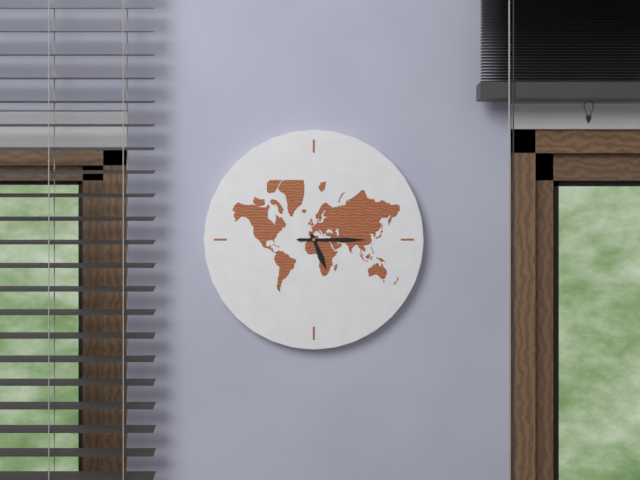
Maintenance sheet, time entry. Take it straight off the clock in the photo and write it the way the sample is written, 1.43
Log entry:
5.15
